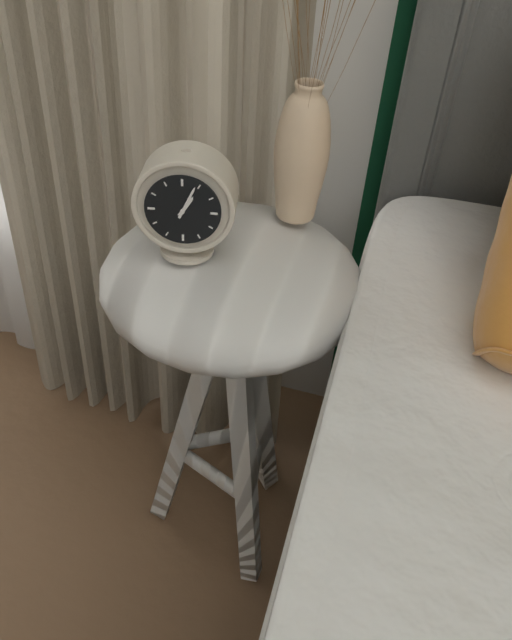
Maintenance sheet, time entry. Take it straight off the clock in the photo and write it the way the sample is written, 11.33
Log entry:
1.04
